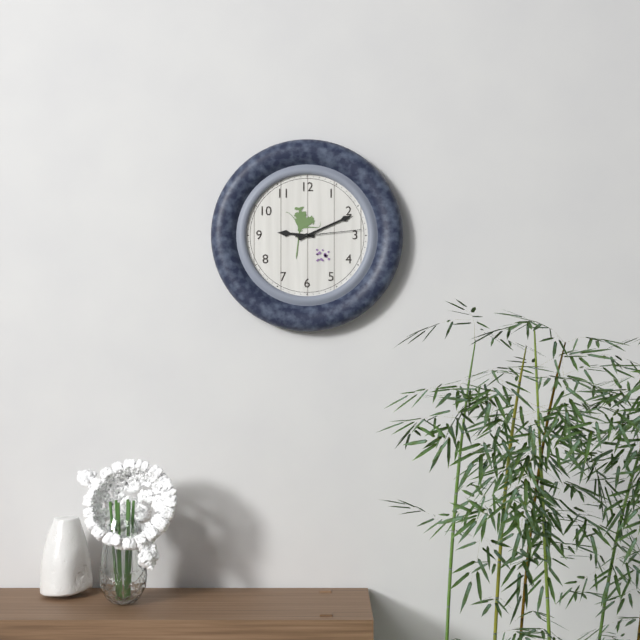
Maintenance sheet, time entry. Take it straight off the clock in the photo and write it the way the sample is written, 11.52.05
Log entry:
9.11.14
